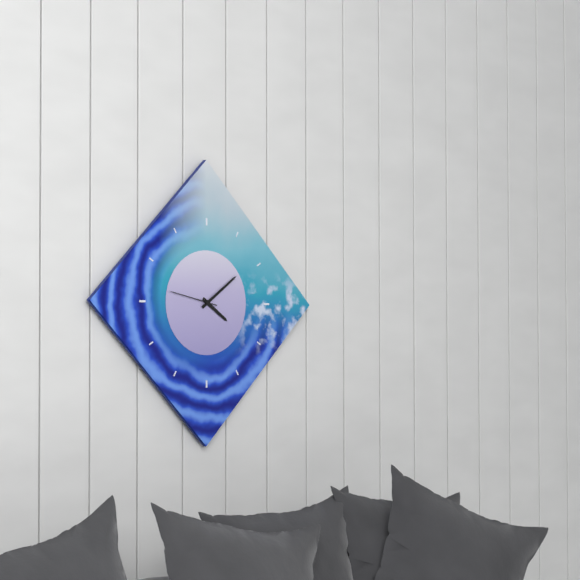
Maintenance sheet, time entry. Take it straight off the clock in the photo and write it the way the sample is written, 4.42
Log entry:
4.09
